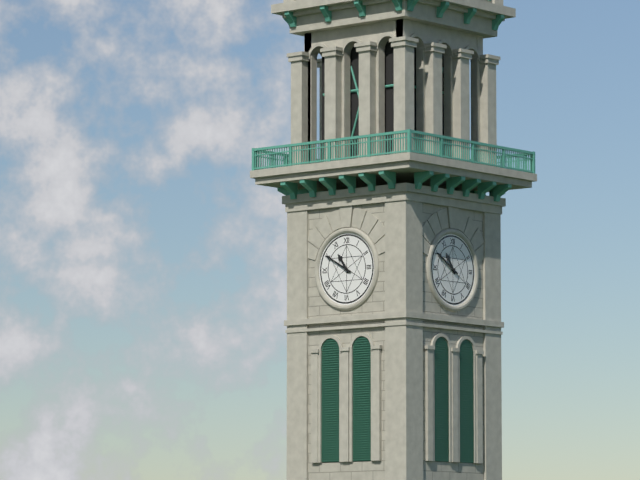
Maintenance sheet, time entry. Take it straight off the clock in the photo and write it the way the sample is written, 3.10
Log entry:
10.50
